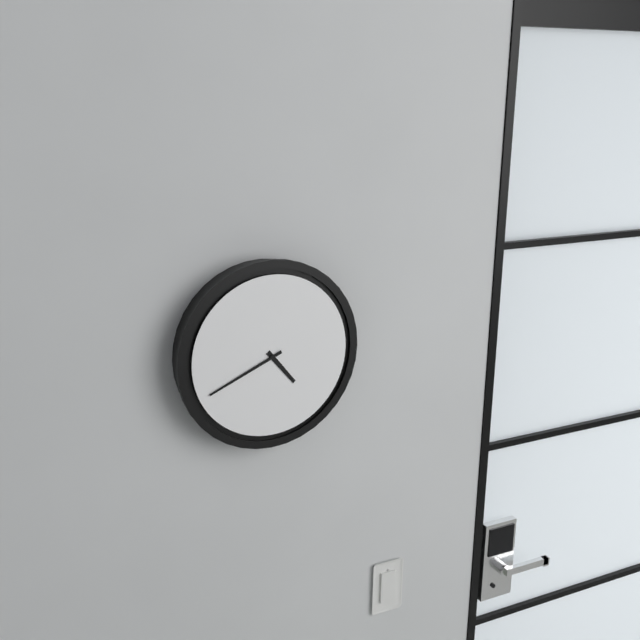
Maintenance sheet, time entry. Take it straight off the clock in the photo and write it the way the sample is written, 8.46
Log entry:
4.41
